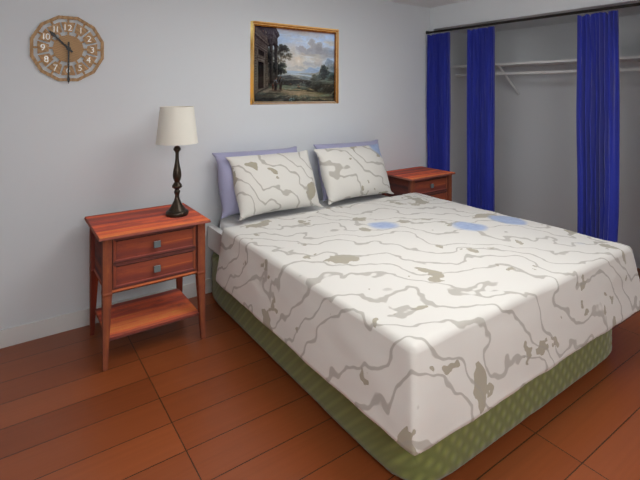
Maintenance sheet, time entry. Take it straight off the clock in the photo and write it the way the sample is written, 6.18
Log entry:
10.30
